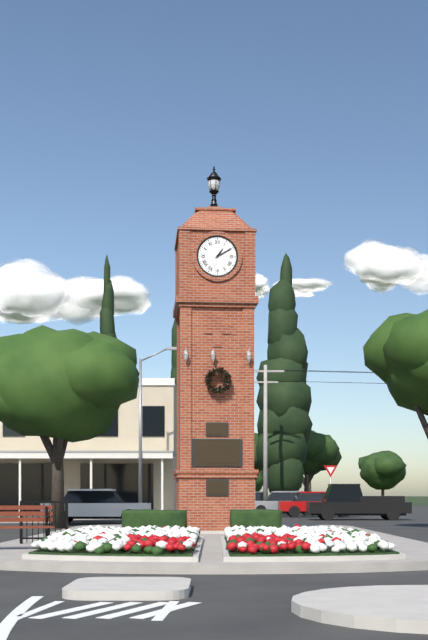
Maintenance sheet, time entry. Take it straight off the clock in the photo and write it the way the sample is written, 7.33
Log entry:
1.10
